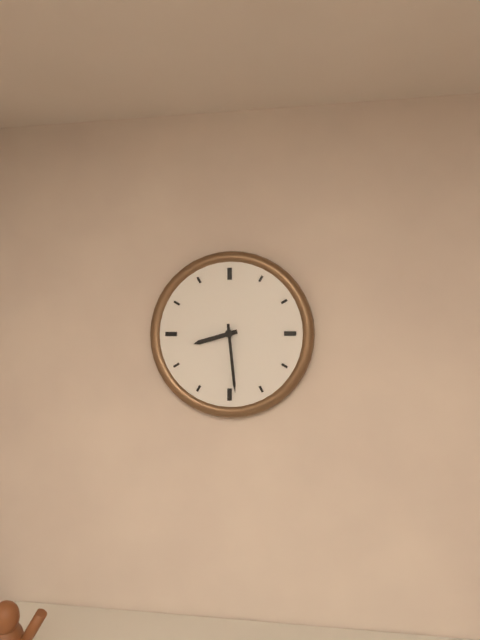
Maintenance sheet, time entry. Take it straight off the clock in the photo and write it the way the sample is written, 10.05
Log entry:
8.29
